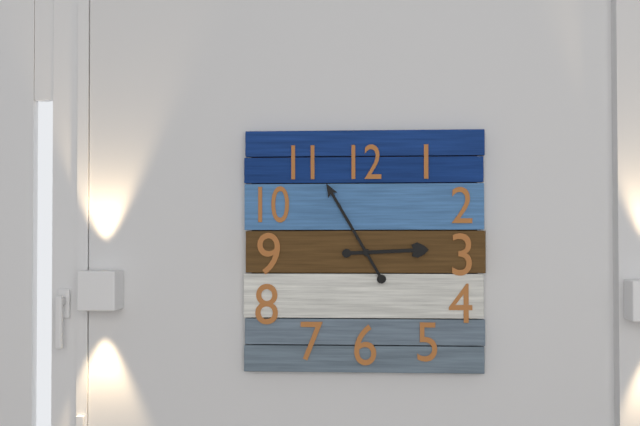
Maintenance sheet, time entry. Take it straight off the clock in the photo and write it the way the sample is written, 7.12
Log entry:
2.55
